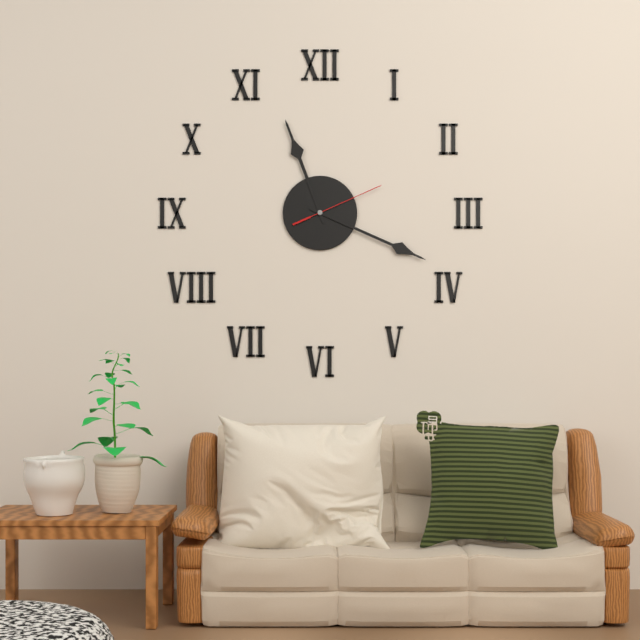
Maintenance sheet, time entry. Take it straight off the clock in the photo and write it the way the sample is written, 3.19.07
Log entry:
11.19.11
